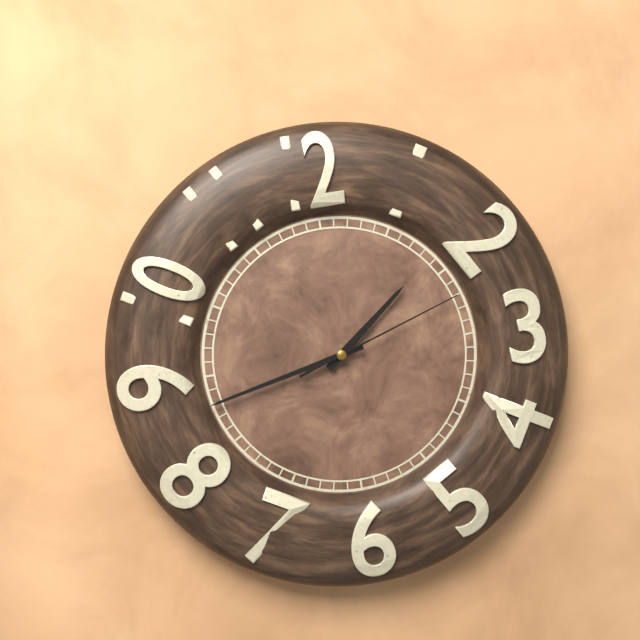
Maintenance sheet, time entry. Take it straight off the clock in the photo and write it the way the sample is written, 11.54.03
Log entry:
1.43.12
